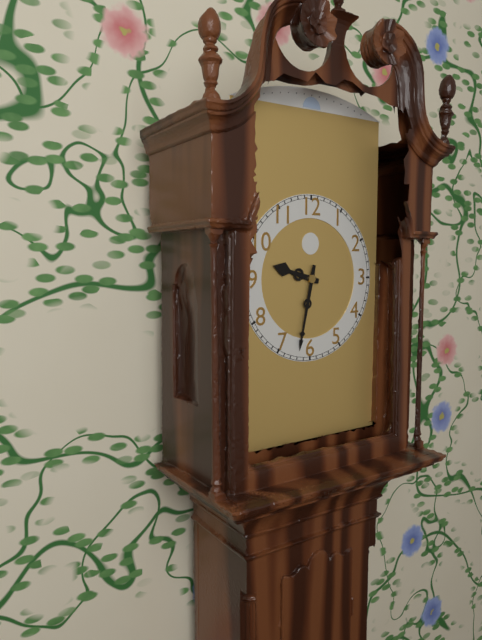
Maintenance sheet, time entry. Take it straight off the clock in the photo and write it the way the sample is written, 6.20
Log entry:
9.32
